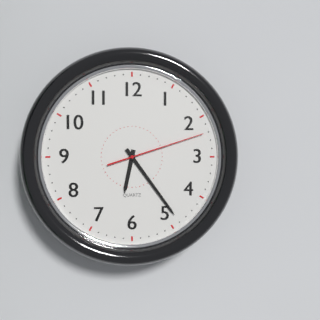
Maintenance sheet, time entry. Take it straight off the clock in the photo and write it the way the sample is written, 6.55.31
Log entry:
6.24.12
